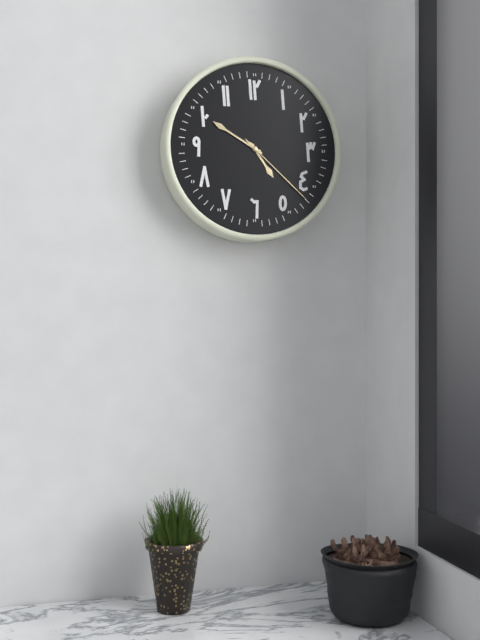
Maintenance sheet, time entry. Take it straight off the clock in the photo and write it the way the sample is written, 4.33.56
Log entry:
4.50.22
